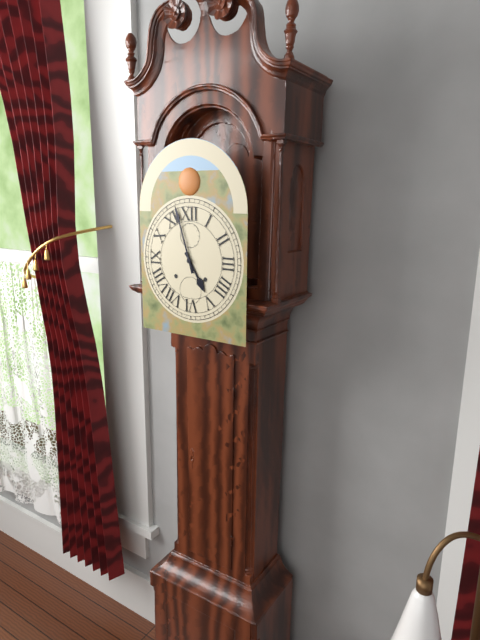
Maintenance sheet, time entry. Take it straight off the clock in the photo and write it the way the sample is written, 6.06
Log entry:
4.57
